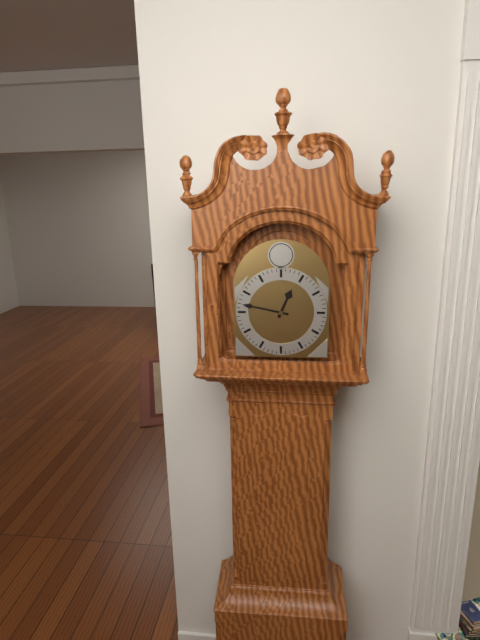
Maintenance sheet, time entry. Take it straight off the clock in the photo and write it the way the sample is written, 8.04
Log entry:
12.47
